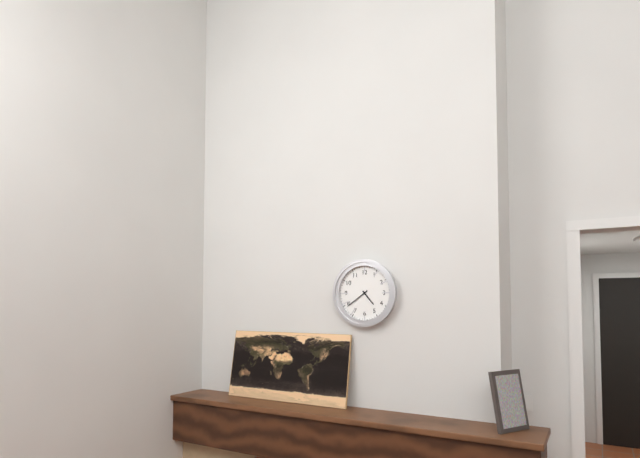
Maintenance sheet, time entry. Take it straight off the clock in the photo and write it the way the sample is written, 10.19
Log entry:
4.39
